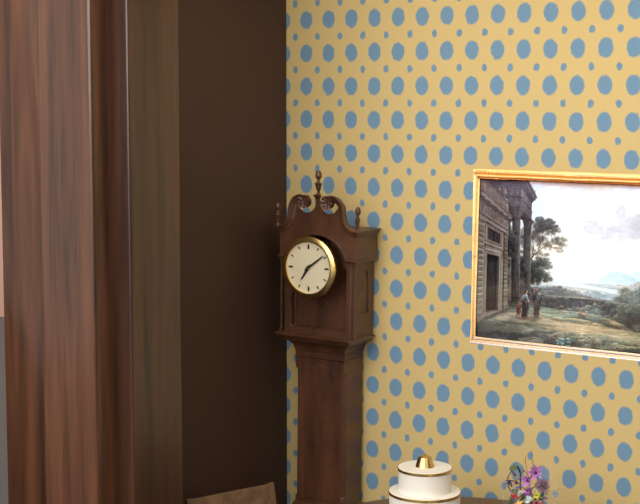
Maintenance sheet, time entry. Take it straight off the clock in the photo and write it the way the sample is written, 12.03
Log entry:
7.09
